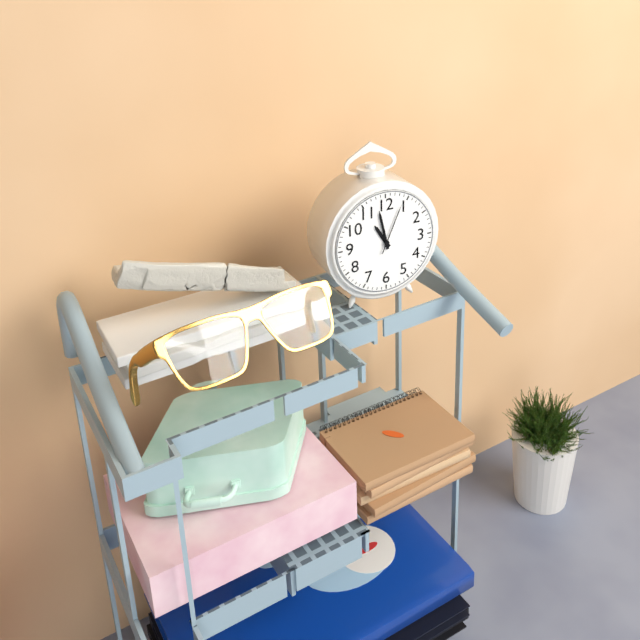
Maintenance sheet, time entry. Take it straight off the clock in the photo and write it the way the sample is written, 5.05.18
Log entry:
10.58.04
